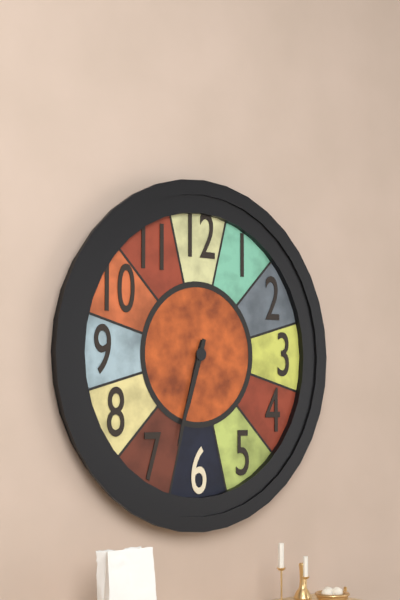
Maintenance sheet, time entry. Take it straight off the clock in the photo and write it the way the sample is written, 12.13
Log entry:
6.33
